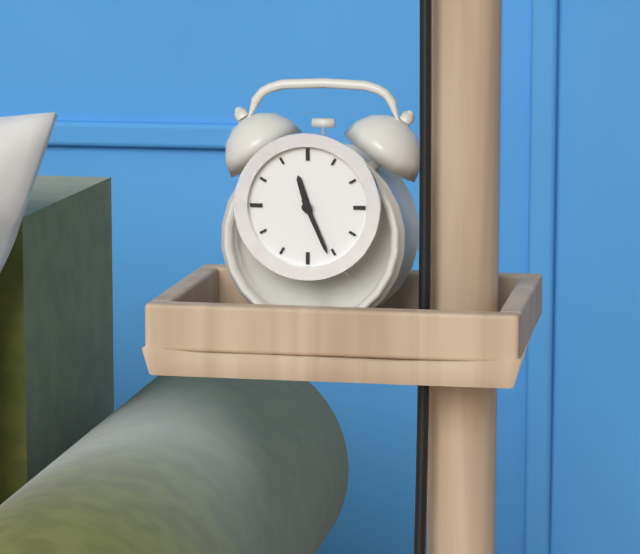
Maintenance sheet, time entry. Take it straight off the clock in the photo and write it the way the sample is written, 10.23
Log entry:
11.26
